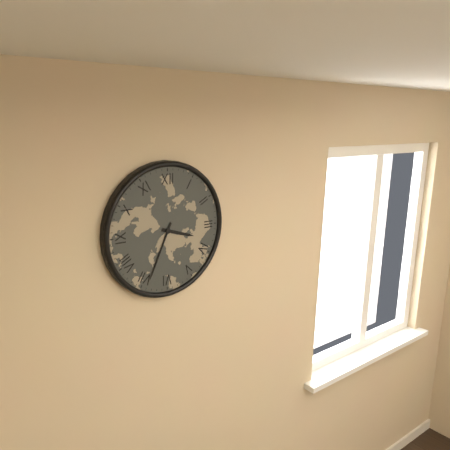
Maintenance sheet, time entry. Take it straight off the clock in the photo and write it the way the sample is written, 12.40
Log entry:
3.34
